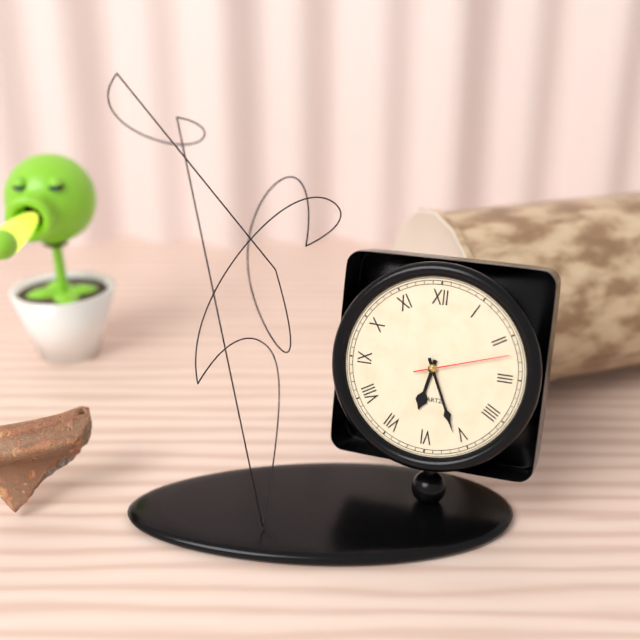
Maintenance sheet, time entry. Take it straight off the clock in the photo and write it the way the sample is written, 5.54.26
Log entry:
6.26.12
